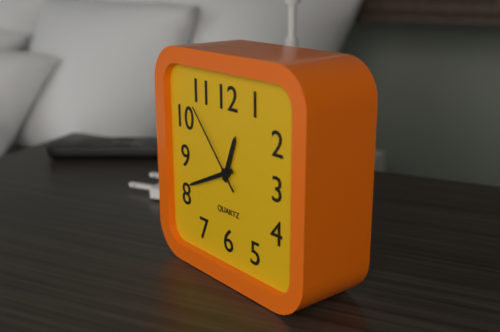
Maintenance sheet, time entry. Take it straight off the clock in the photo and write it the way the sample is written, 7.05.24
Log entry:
12.41.53
